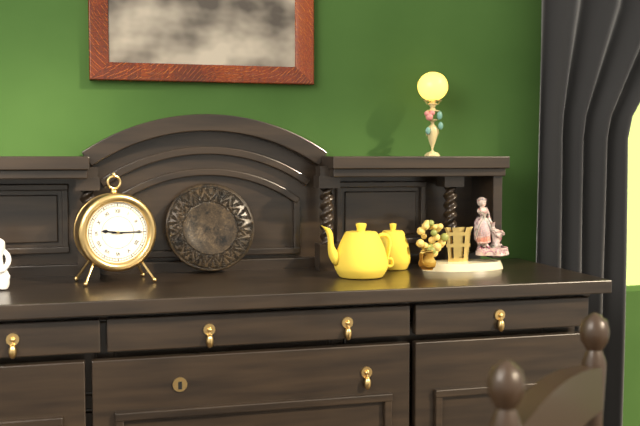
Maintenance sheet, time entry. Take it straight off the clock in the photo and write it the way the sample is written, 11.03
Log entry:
9.15
